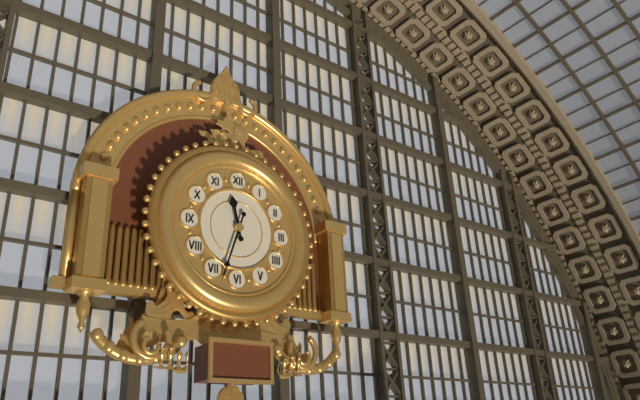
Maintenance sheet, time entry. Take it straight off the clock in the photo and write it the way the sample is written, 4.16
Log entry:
11.33
